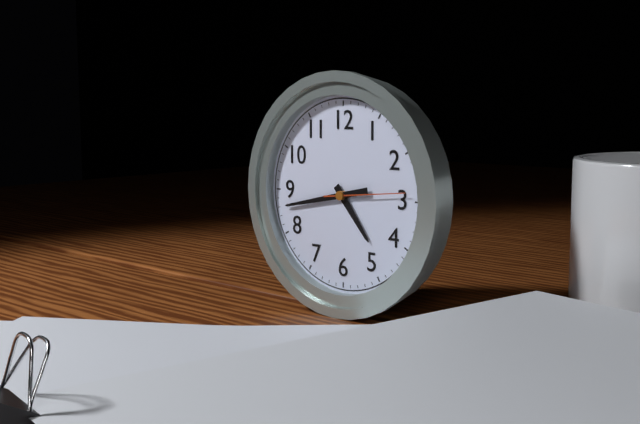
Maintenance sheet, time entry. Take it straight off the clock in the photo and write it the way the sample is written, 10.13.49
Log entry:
4.43.14
